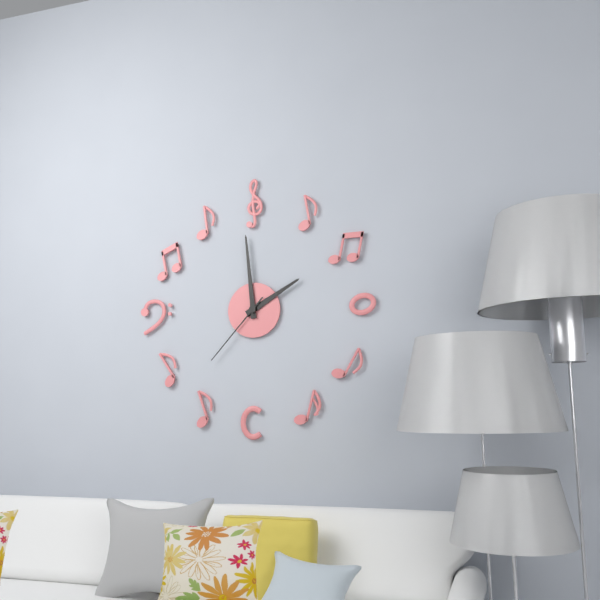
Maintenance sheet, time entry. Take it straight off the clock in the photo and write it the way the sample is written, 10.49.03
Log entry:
1.59.37
